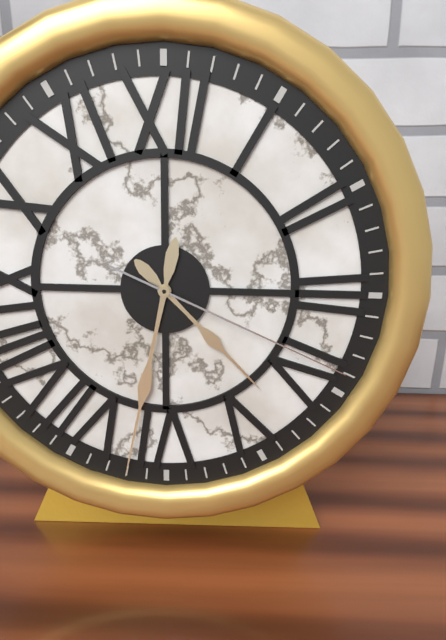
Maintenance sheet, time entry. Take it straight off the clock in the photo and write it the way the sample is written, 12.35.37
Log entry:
4.32.19
